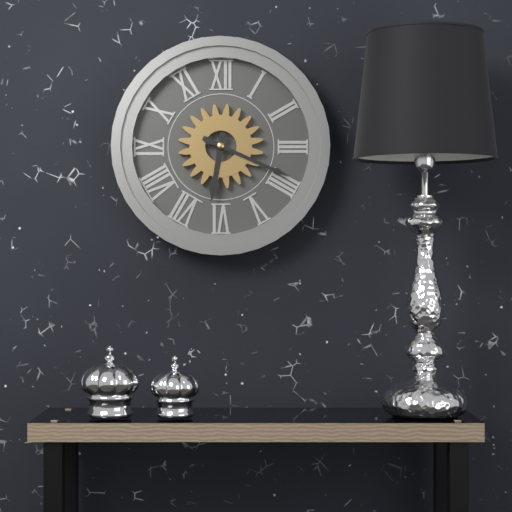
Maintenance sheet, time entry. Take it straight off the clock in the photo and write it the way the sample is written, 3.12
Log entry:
6.19
